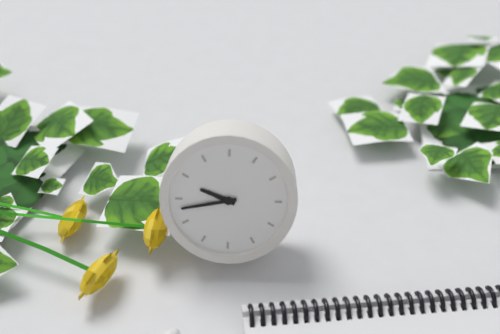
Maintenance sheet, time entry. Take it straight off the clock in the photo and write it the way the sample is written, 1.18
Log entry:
9.43
